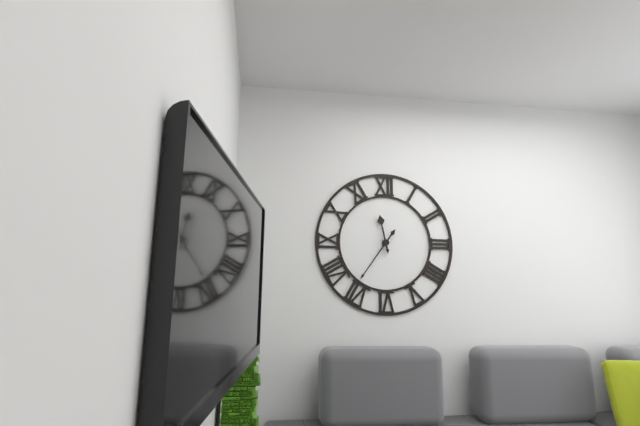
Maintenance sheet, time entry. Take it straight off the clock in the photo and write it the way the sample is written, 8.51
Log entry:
11.36
